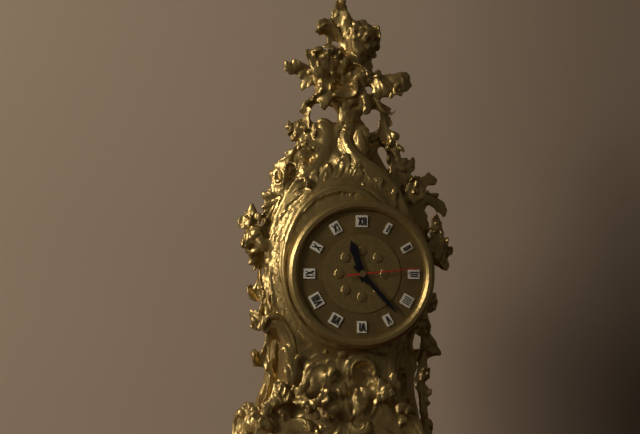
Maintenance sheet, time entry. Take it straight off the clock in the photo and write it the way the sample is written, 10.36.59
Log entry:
11.23.14
